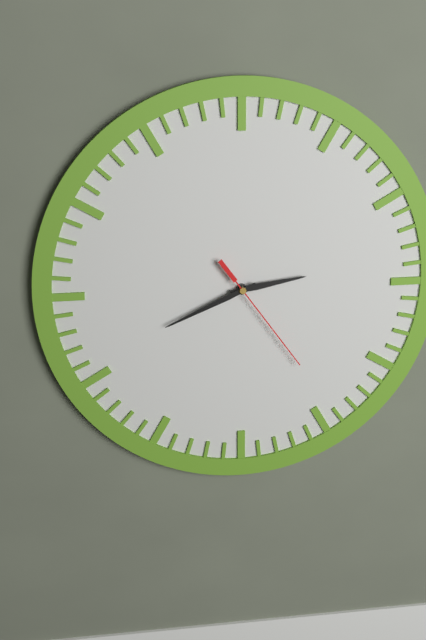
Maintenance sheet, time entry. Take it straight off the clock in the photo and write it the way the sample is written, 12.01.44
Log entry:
2.41.24
